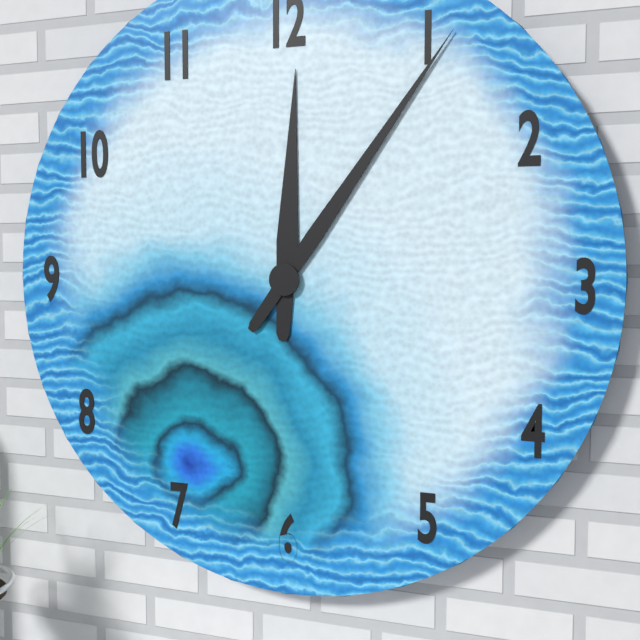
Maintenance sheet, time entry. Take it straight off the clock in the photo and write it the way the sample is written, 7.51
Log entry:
12.06
